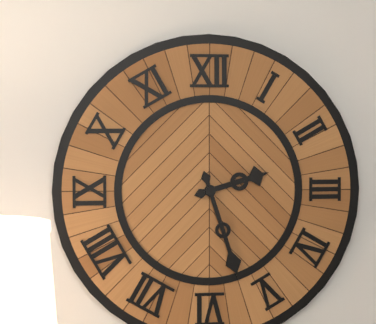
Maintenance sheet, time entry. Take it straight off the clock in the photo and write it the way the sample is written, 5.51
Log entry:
2.27
